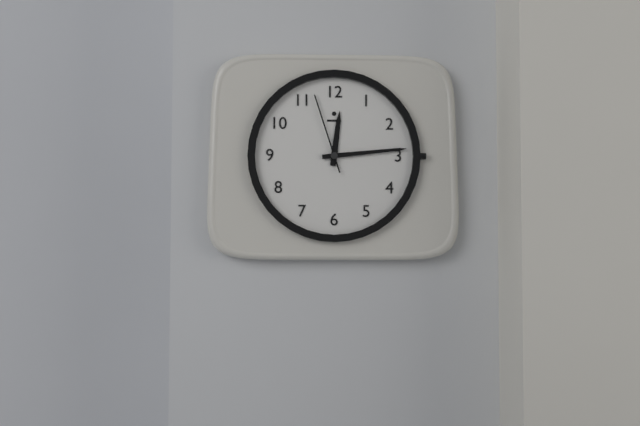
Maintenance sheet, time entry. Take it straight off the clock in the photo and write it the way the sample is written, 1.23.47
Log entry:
12.14.57
